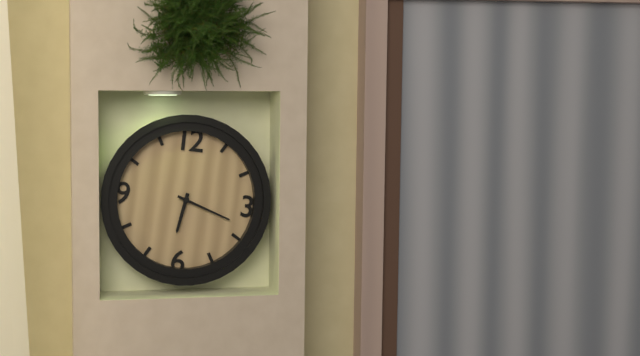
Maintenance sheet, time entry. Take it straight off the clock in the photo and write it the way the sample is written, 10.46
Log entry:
6.18
